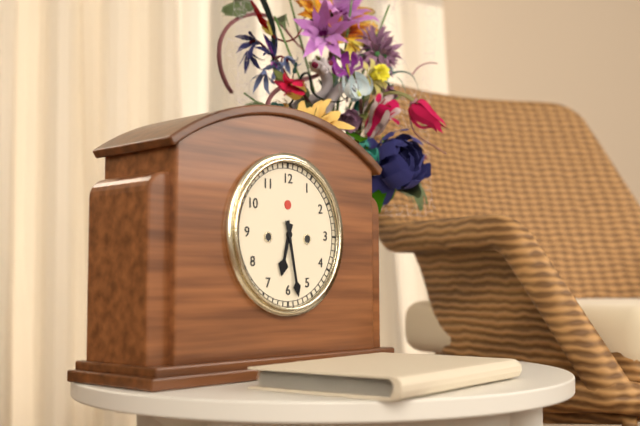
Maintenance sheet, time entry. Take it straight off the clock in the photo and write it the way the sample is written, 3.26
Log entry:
6.28
